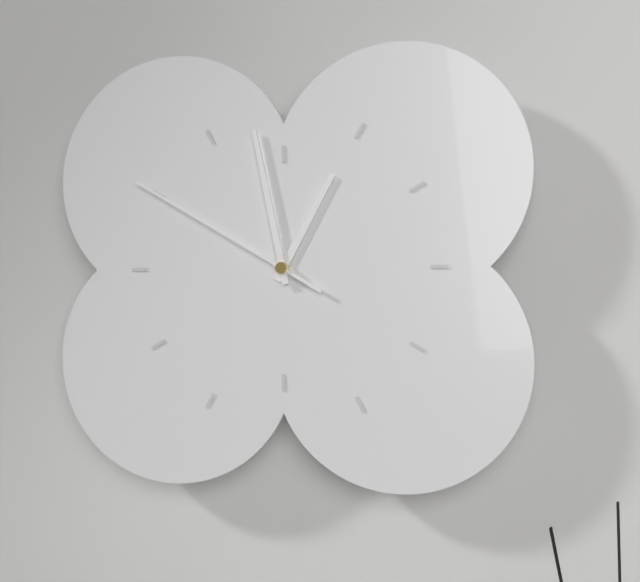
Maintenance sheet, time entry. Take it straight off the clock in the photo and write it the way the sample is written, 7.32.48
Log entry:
12.58.50
